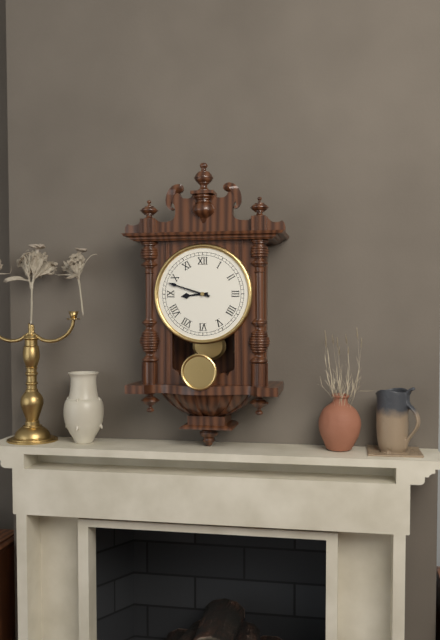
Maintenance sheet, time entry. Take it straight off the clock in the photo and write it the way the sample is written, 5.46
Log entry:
8.48
